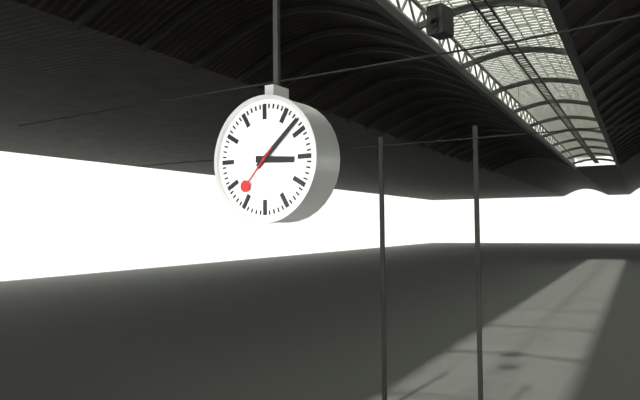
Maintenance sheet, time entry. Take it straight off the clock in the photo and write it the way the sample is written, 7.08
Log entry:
3.08
